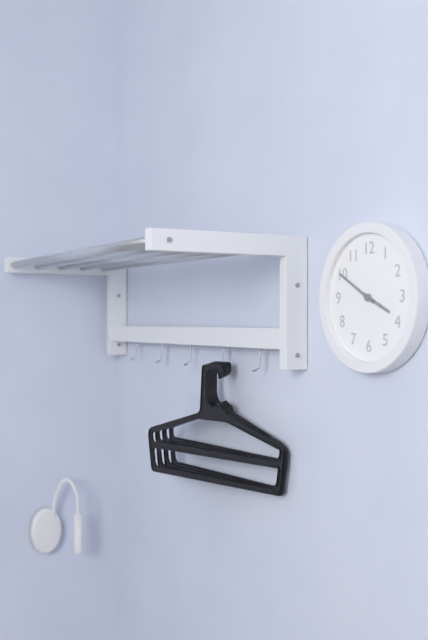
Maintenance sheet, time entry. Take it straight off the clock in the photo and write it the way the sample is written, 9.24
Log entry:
3.50
